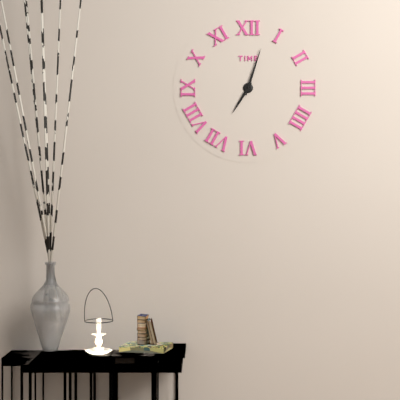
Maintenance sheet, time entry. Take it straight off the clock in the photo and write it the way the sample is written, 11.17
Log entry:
7.03
